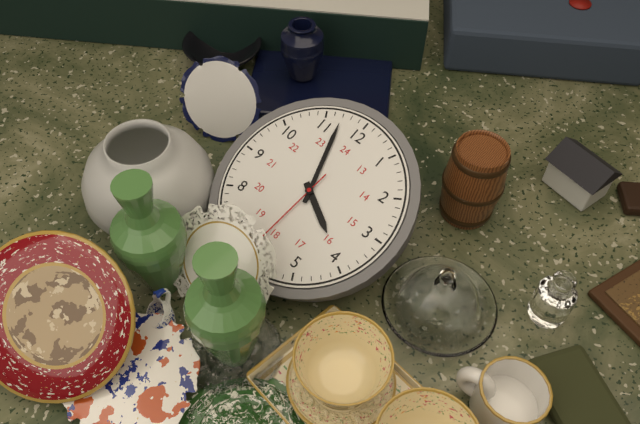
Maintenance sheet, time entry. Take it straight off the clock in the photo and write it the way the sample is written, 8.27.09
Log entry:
3.57.31
